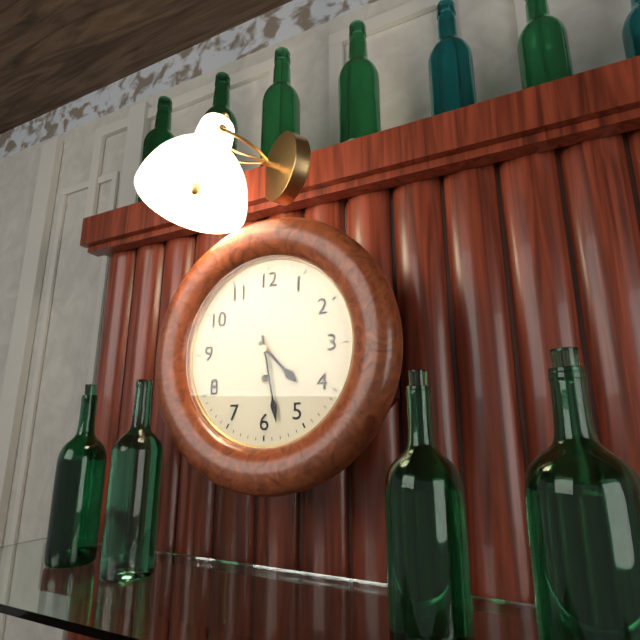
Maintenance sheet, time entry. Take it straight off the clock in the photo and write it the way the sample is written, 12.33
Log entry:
4.28
